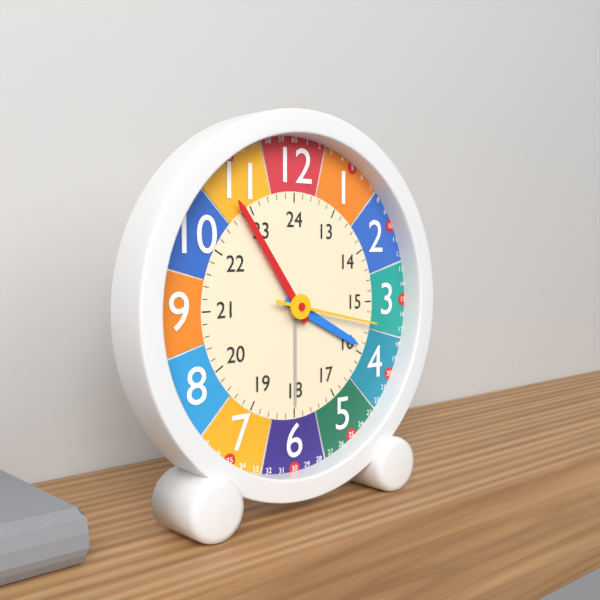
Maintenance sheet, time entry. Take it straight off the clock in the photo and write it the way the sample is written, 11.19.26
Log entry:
3.54.17
